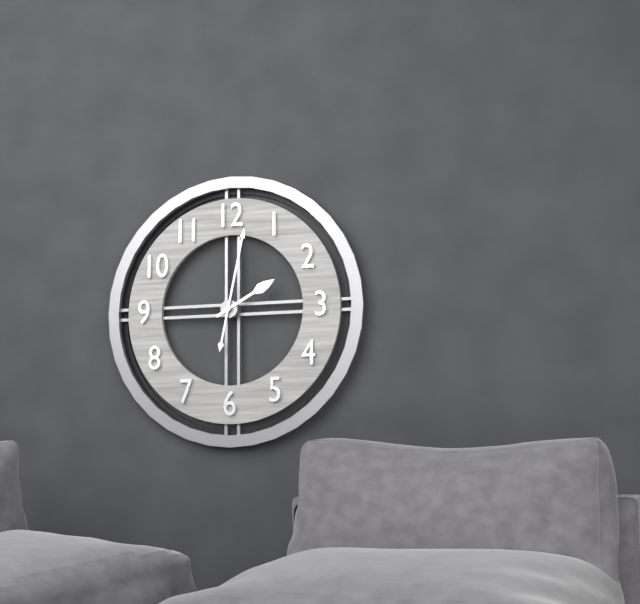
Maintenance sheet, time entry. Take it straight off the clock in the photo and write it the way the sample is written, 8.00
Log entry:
2.02
